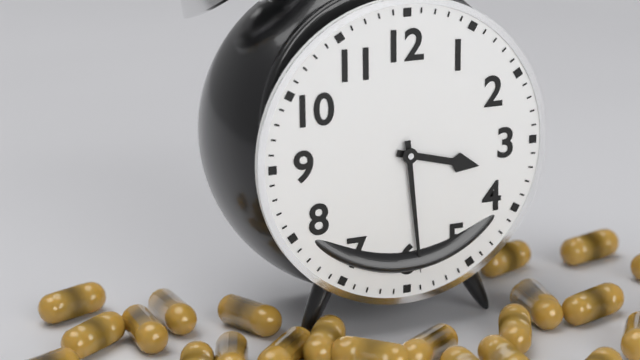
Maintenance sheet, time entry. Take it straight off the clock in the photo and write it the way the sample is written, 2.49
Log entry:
3.29
